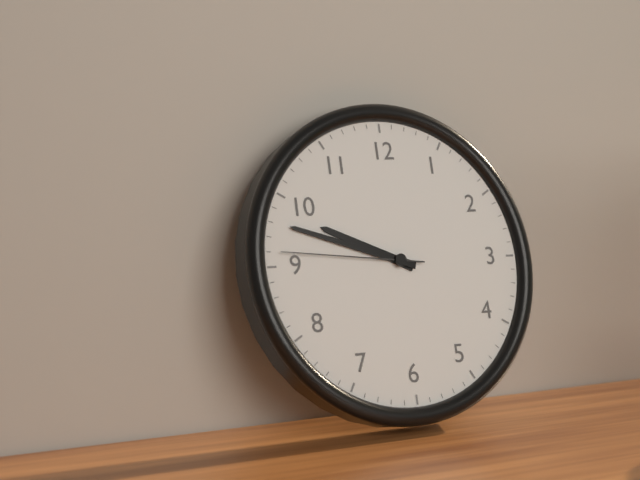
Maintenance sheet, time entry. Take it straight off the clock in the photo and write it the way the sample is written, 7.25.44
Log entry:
9.48.46
